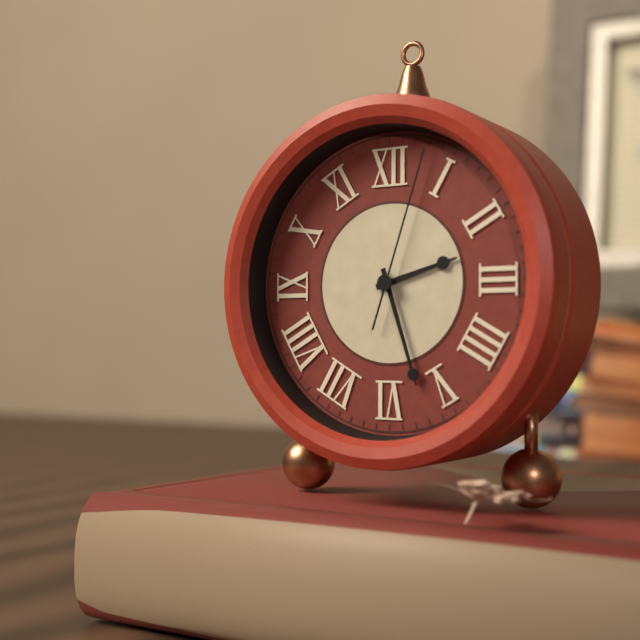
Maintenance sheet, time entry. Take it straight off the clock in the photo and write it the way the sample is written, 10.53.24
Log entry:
2.27.03
